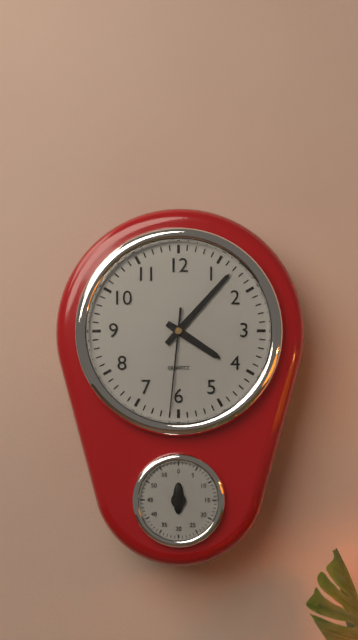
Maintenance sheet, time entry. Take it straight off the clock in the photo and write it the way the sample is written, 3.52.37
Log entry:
4.07.31
